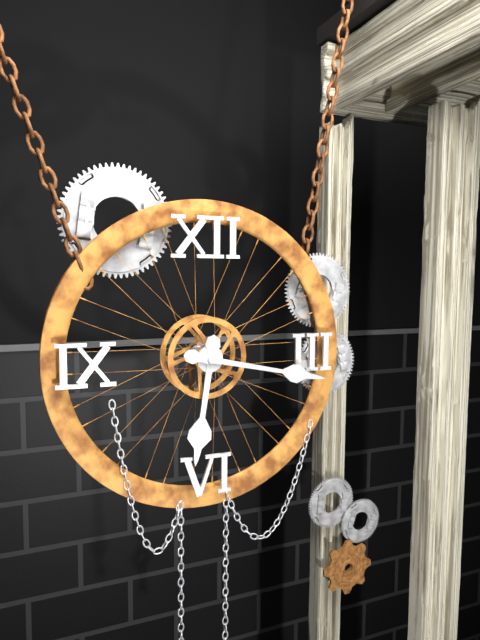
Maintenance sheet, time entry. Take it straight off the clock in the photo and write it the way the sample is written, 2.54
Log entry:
6.17
